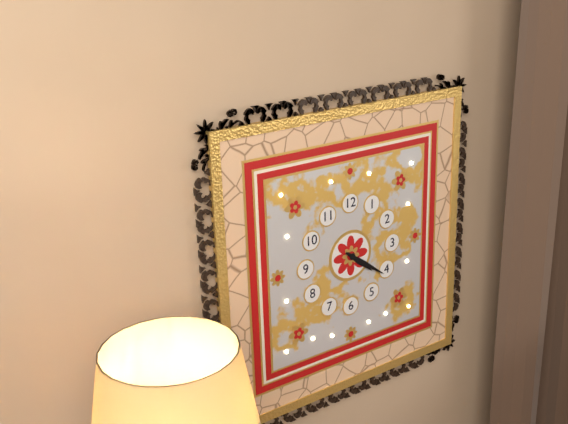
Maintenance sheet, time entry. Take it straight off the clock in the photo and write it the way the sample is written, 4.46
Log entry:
4.21
